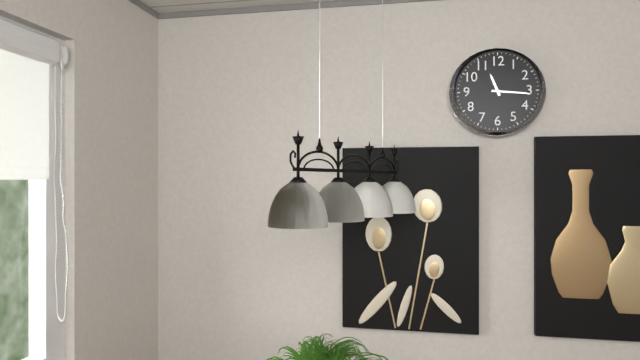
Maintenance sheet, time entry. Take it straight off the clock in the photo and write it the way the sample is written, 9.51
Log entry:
11.16
